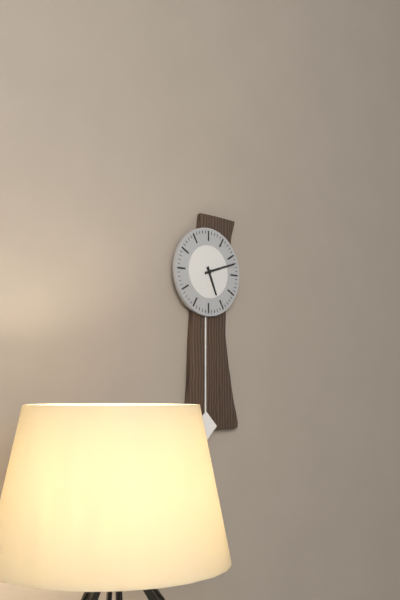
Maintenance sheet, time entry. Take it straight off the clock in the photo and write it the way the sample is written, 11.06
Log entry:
5.12
